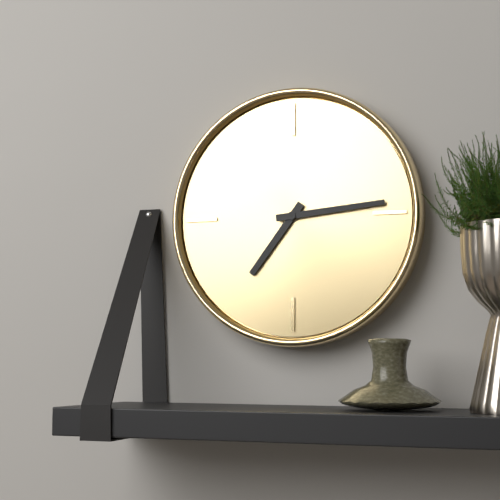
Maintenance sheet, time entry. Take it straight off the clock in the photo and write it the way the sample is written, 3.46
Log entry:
7.14
